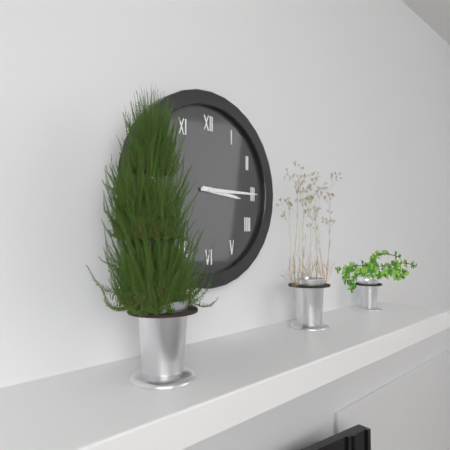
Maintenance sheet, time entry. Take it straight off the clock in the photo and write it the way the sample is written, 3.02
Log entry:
3.15
